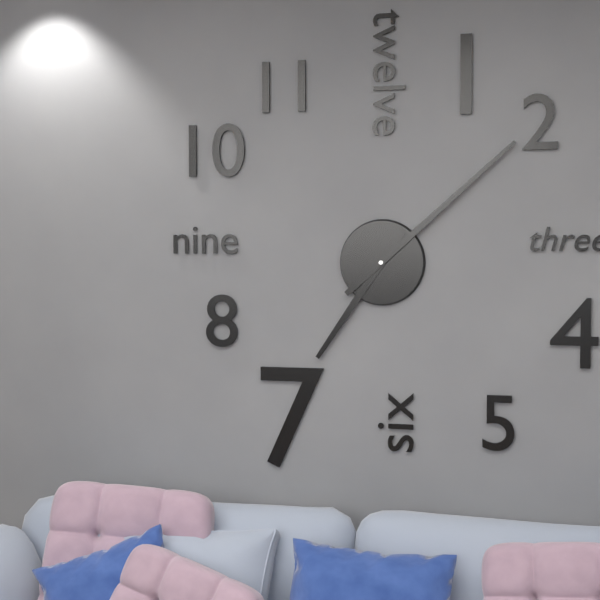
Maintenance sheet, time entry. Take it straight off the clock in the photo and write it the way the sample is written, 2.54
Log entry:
7.08
